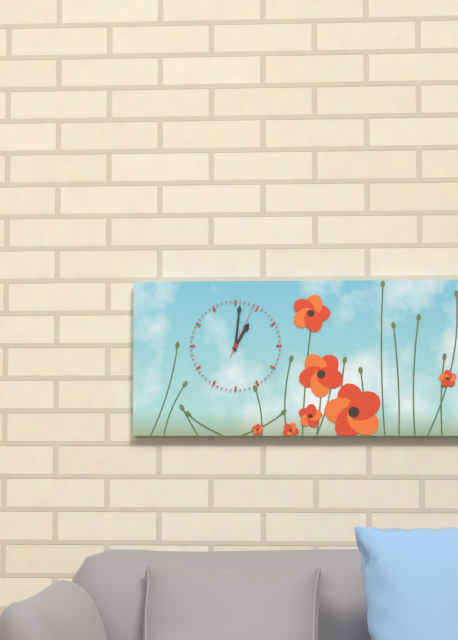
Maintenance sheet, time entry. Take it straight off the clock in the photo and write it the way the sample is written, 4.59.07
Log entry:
1.01.04
